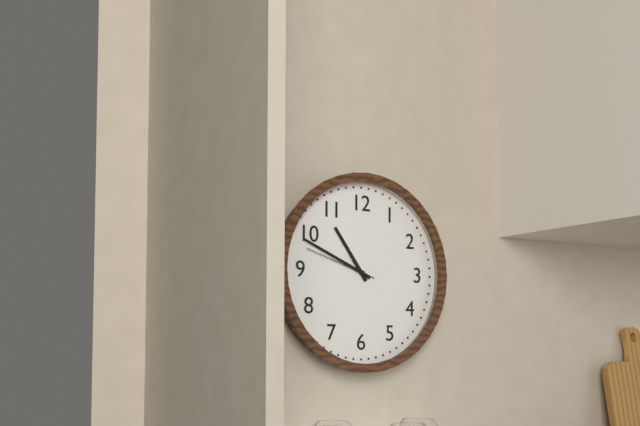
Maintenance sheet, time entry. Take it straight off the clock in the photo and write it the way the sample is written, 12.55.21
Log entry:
10.49.48
